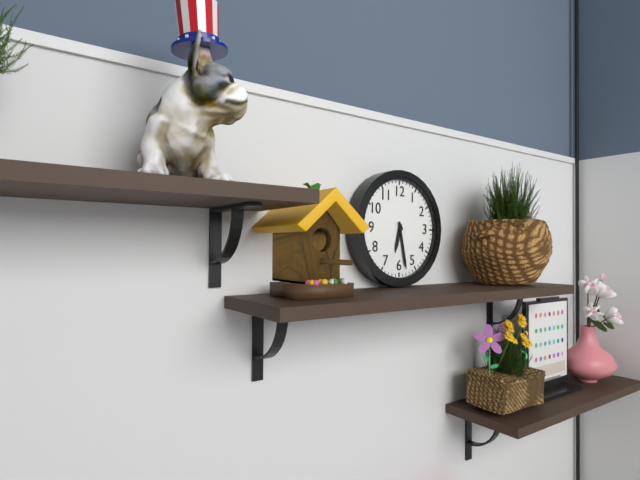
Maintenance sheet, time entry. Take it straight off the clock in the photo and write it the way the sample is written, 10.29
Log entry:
6.28
